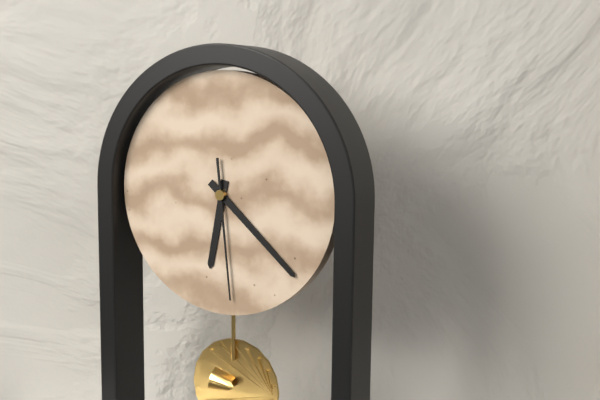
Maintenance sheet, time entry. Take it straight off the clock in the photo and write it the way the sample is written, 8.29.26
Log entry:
6.22.29
